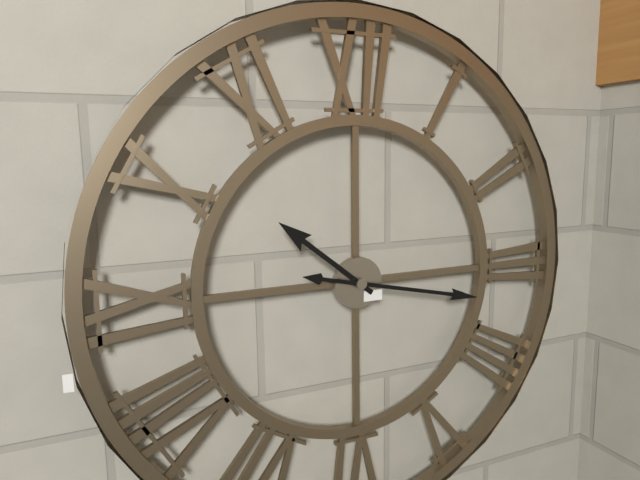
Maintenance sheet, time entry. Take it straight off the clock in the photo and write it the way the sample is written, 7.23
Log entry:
10.17
